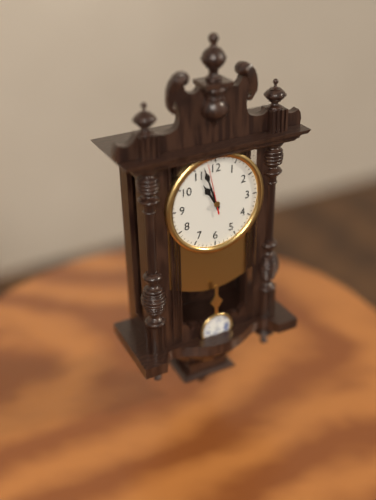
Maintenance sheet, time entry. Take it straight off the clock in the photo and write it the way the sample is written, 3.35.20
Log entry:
10.57.58
